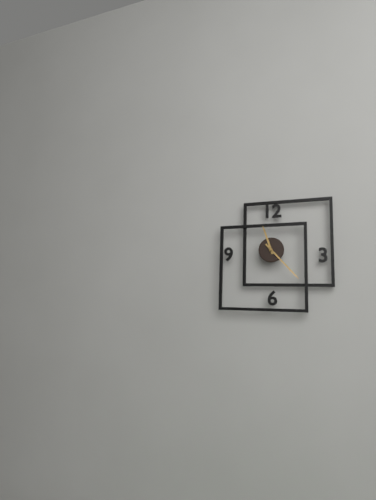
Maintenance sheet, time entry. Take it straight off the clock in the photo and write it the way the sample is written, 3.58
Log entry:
11.23
